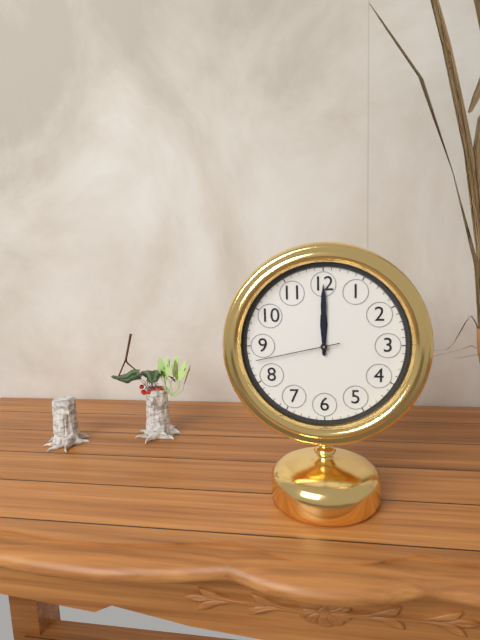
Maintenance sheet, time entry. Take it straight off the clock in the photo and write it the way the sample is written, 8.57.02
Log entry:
12.00.43
